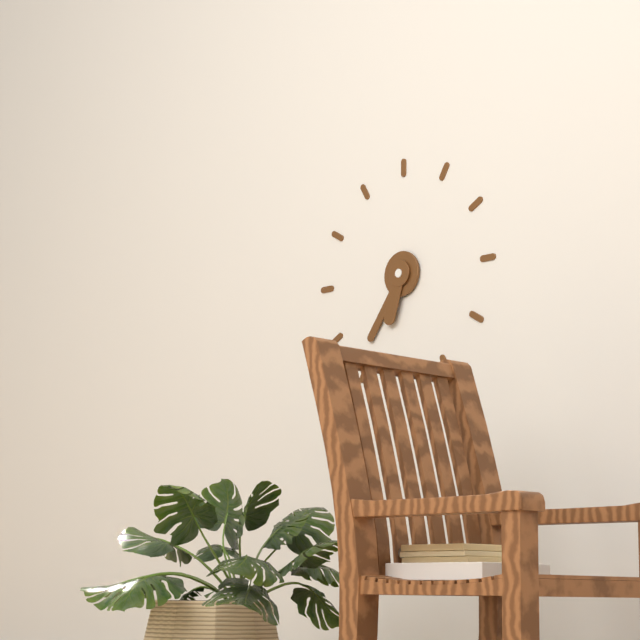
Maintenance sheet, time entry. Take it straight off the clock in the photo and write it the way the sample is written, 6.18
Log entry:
6.36
